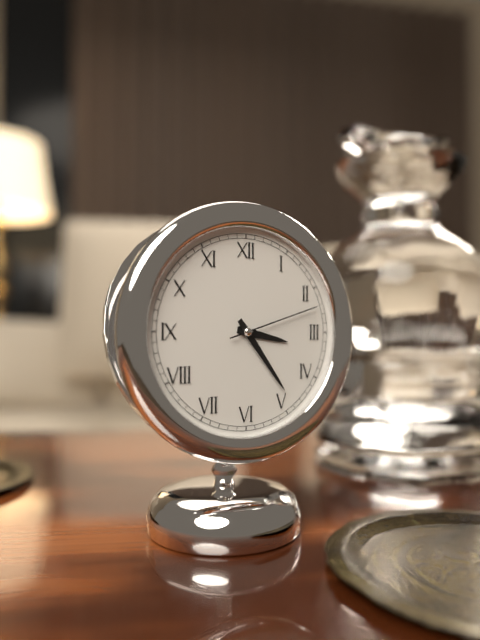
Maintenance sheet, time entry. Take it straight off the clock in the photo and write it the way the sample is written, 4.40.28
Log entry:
3.24.12
